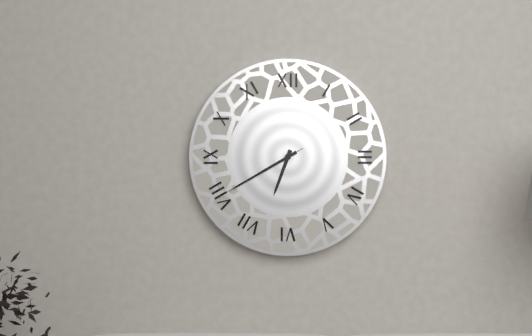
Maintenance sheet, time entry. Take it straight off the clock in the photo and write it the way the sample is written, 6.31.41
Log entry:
6.40.40
